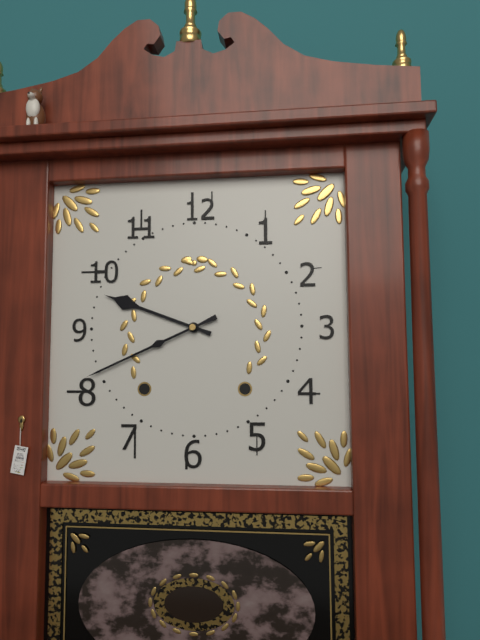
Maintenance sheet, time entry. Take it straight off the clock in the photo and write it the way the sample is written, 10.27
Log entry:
9.41
